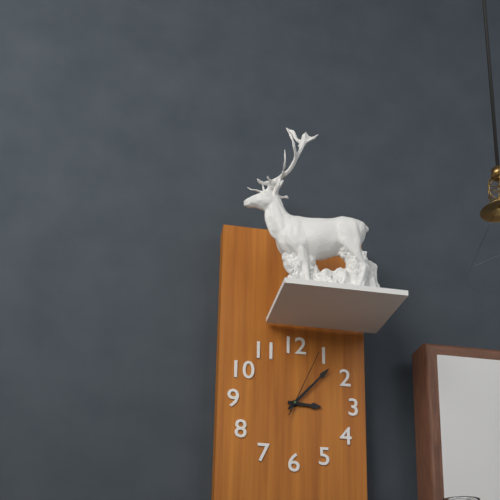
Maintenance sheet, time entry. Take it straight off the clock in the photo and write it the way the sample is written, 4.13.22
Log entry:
3.07.04
